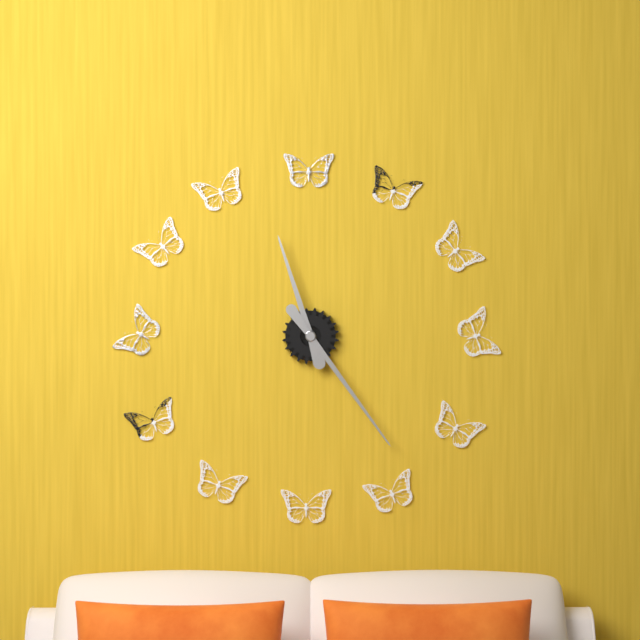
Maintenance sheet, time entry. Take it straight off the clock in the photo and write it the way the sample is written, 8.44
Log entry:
11.24
